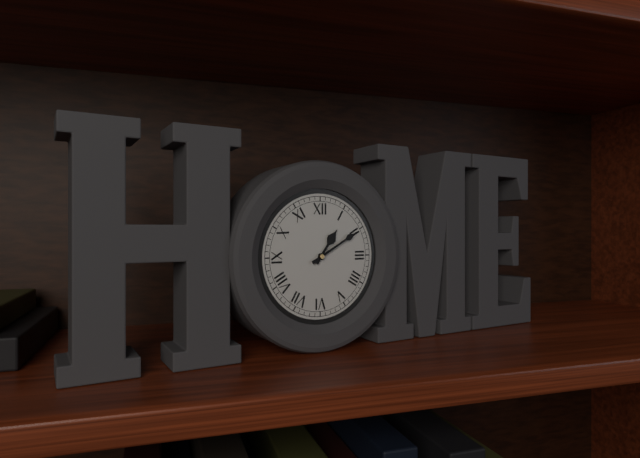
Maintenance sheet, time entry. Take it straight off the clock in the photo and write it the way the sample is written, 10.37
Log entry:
1.10
